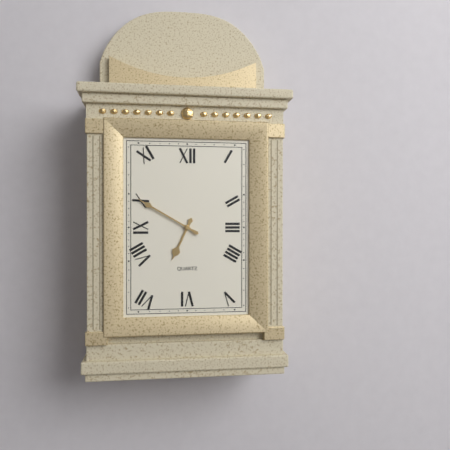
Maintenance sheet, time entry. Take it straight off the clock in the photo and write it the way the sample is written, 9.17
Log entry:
6.50
